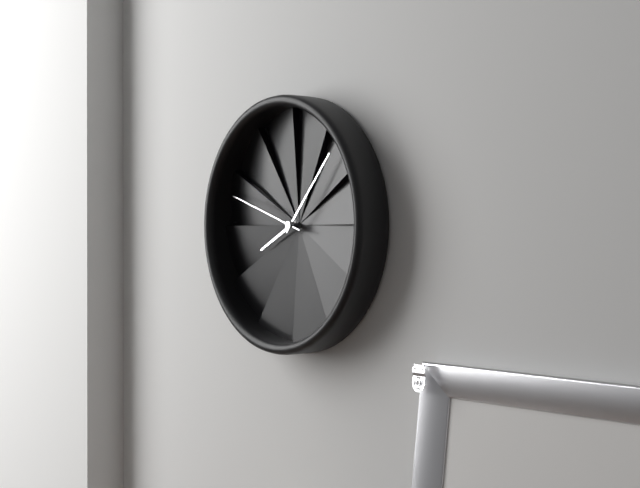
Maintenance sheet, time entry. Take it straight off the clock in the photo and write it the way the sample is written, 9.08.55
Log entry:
8.07.48
